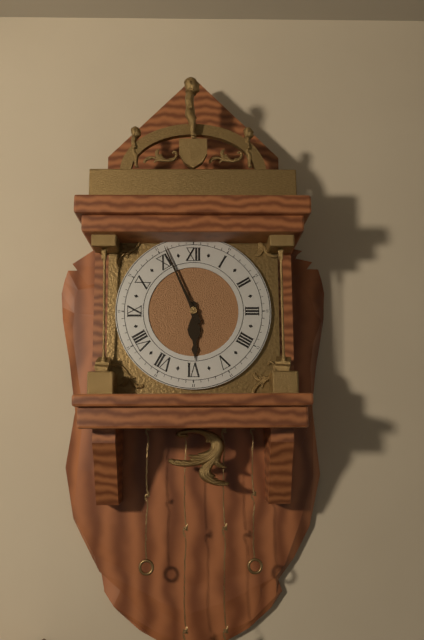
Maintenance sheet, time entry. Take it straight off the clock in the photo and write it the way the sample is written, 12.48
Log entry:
5.56
